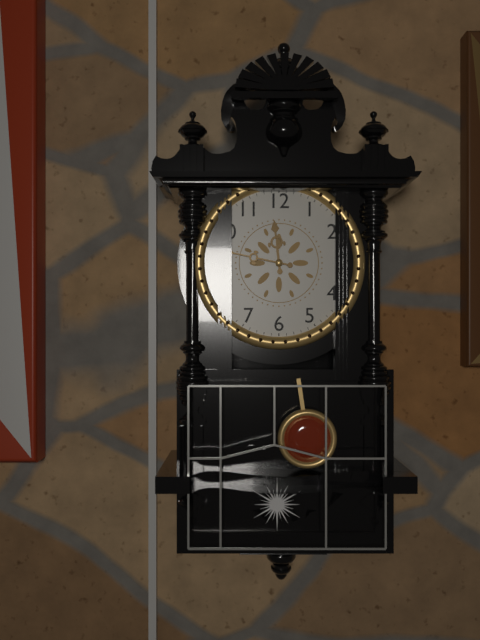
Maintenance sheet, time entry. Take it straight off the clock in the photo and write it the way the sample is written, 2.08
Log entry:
11.47
